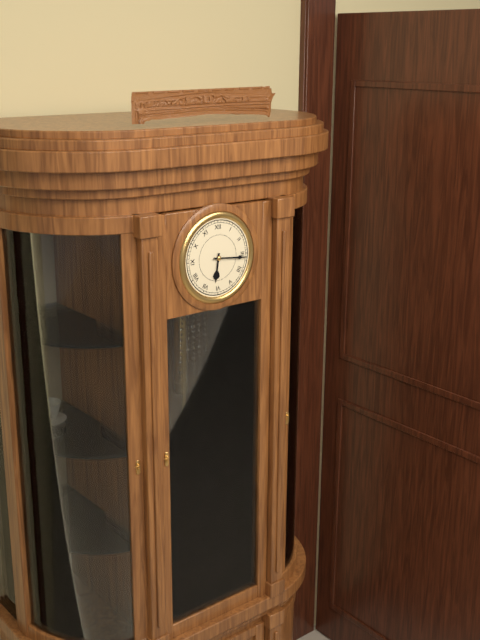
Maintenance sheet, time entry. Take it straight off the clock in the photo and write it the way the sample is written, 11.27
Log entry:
6.16
